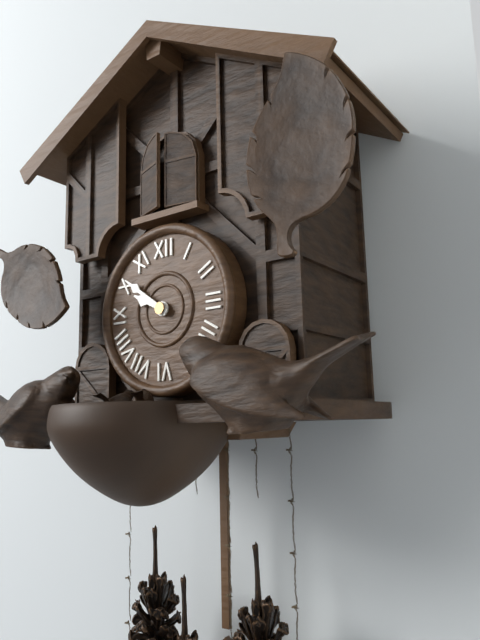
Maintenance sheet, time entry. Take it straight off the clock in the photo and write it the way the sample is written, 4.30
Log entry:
9.51
